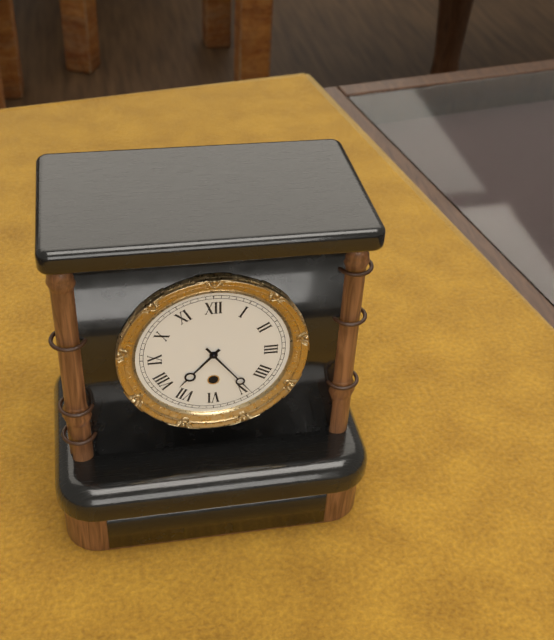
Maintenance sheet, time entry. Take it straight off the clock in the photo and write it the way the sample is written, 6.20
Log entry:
7.24
